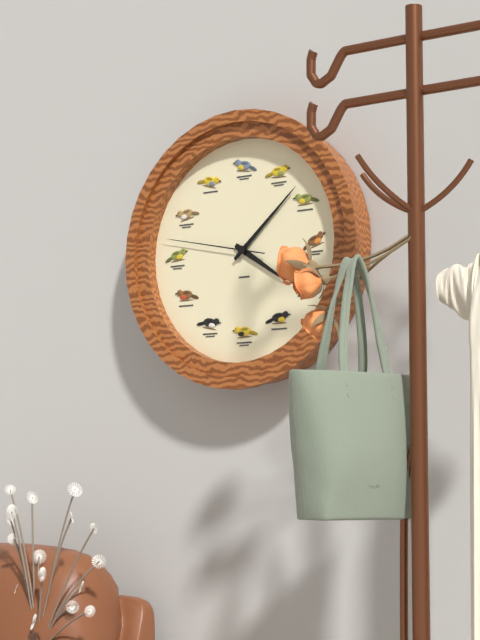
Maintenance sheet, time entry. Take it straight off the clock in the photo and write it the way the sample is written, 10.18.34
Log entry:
4.08.47
